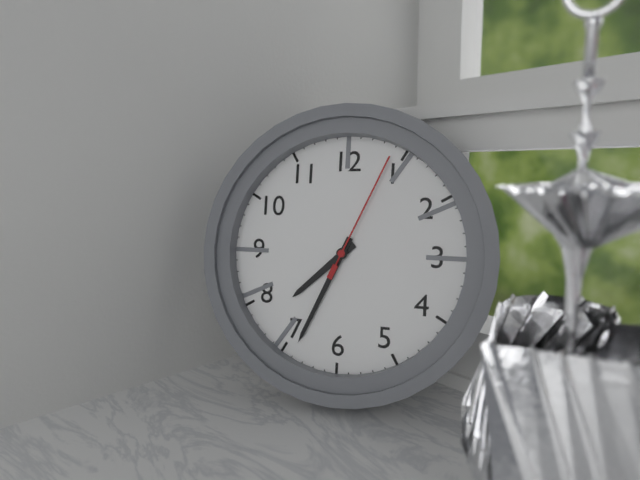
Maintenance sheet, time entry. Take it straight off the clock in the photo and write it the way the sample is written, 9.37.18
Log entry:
7.34.04
